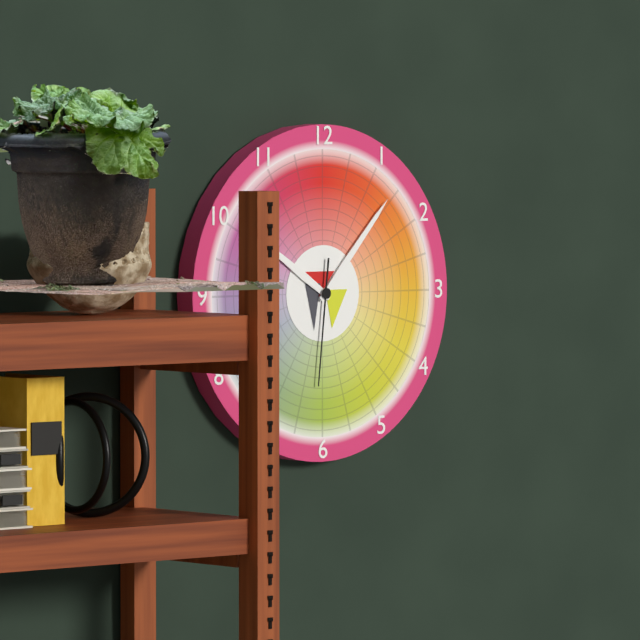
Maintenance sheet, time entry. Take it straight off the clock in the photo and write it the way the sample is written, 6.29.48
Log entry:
10.07.31
